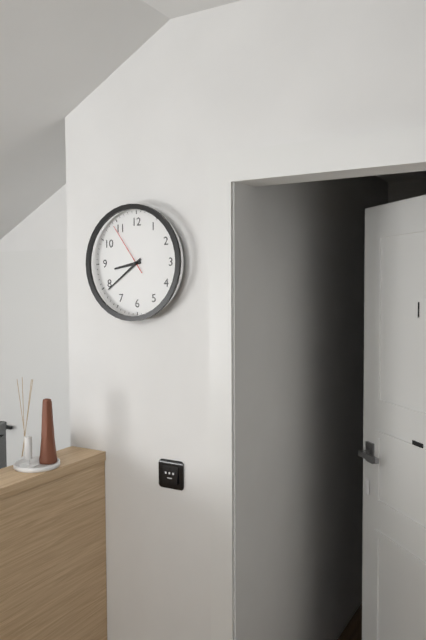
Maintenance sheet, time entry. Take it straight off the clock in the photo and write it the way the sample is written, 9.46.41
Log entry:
8.39.54
